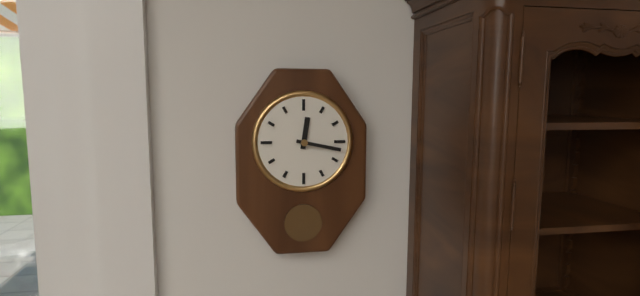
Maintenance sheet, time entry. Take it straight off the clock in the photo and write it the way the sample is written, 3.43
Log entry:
12.17
